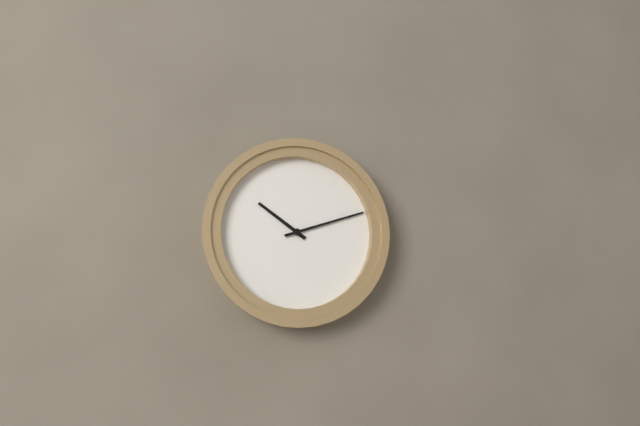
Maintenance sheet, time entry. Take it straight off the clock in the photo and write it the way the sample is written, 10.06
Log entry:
10.12
